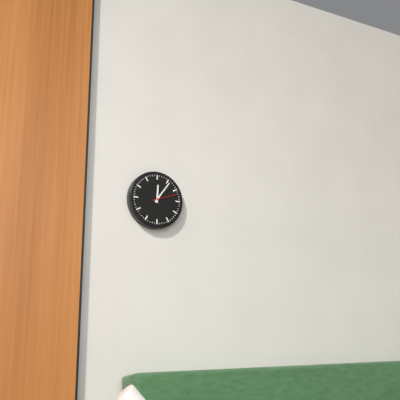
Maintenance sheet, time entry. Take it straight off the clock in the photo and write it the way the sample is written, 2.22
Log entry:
12.06
